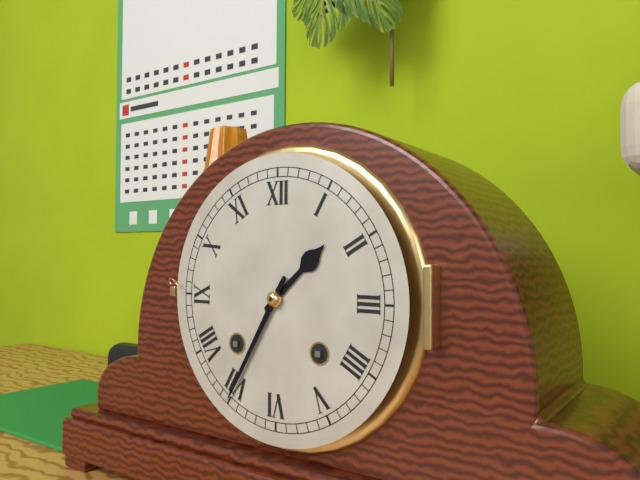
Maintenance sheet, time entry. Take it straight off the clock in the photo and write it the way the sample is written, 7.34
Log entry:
1.35
